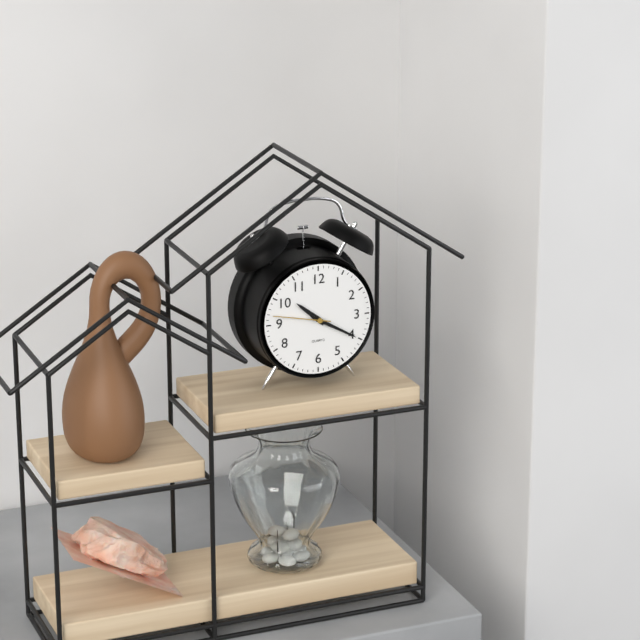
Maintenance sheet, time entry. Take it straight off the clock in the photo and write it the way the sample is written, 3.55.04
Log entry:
10.20.47
